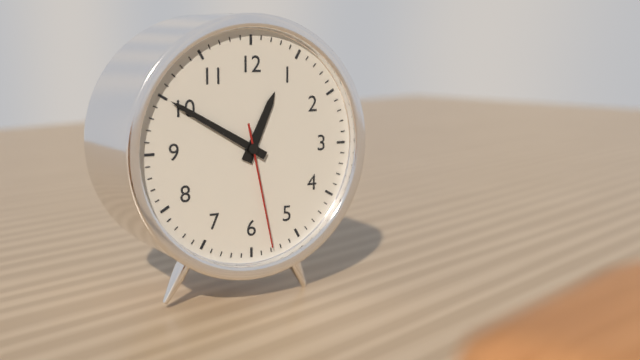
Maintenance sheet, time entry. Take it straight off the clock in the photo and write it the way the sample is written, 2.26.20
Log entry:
12.50.28
